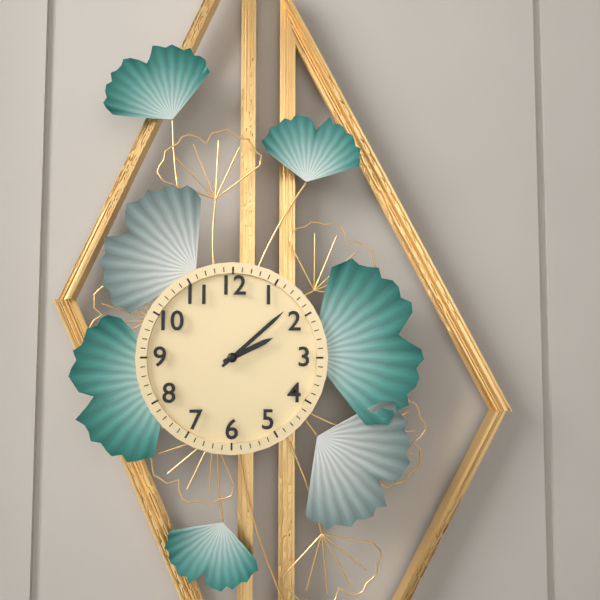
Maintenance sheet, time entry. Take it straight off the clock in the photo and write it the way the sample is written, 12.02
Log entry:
2.08
